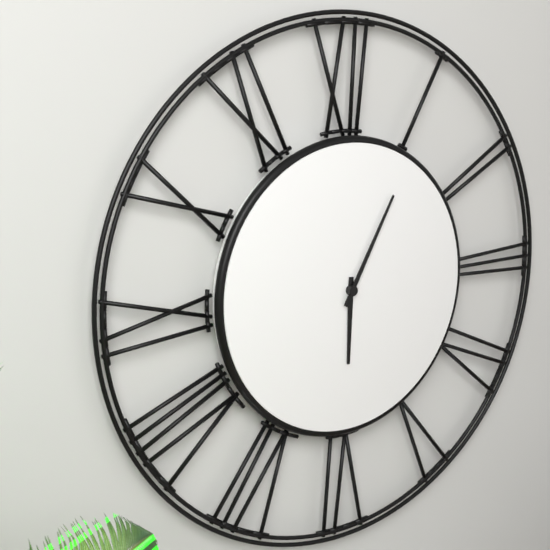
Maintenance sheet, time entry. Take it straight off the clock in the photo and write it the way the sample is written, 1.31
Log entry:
6.05
